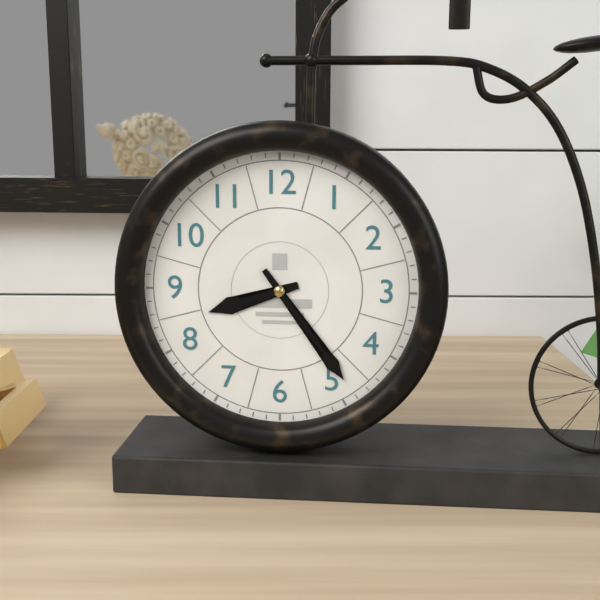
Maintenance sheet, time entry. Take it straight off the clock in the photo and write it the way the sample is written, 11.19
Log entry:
8.24
